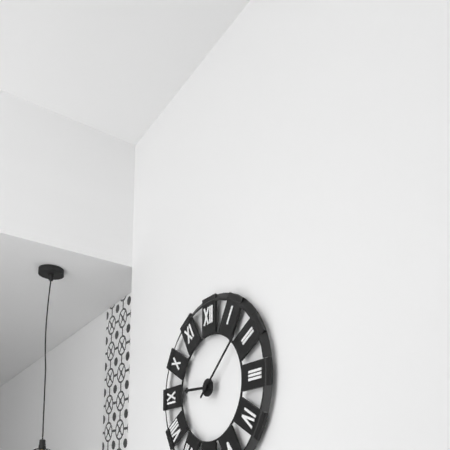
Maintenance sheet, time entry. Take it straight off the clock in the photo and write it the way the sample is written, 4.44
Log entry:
9.08
